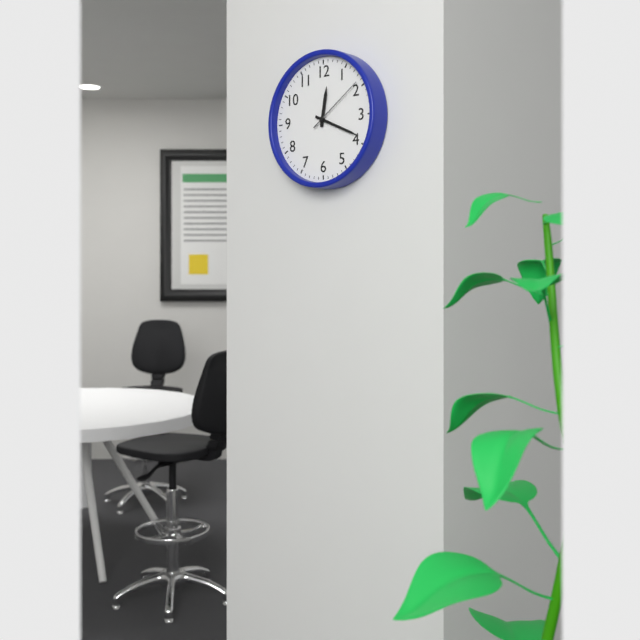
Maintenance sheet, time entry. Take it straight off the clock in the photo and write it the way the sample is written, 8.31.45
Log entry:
12.19.09
